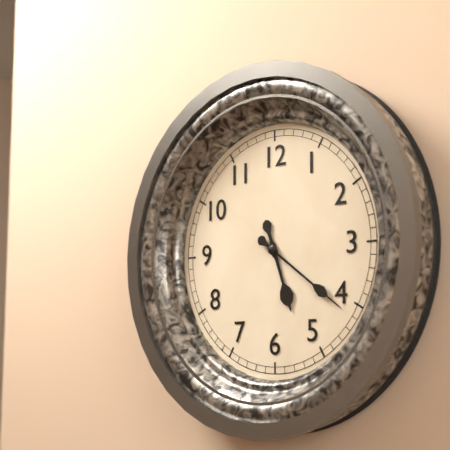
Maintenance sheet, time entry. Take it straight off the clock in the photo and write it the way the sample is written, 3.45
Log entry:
5.21
